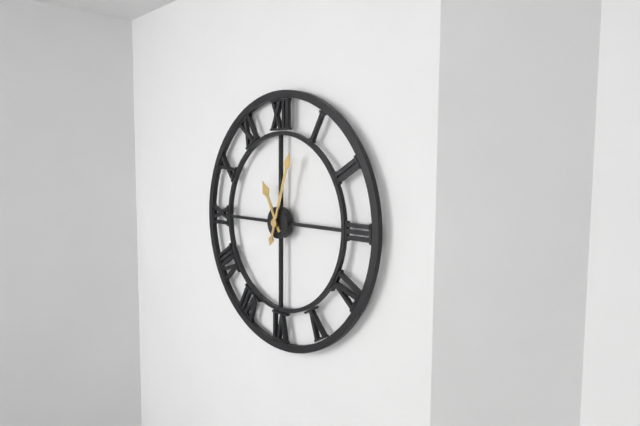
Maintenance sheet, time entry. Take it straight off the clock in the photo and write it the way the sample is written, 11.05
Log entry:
11.03
